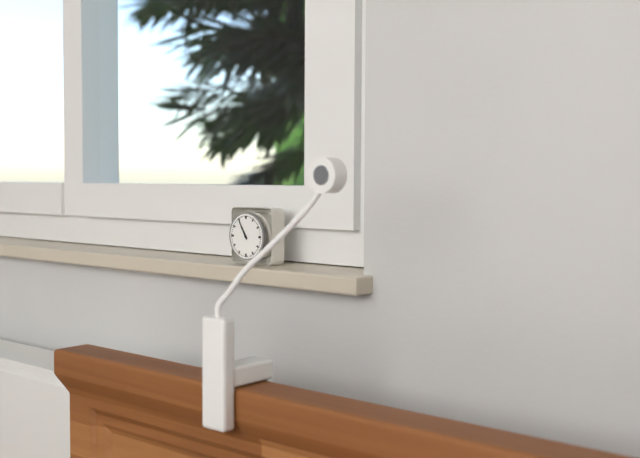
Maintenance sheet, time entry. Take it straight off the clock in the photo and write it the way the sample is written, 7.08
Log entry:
10.55
